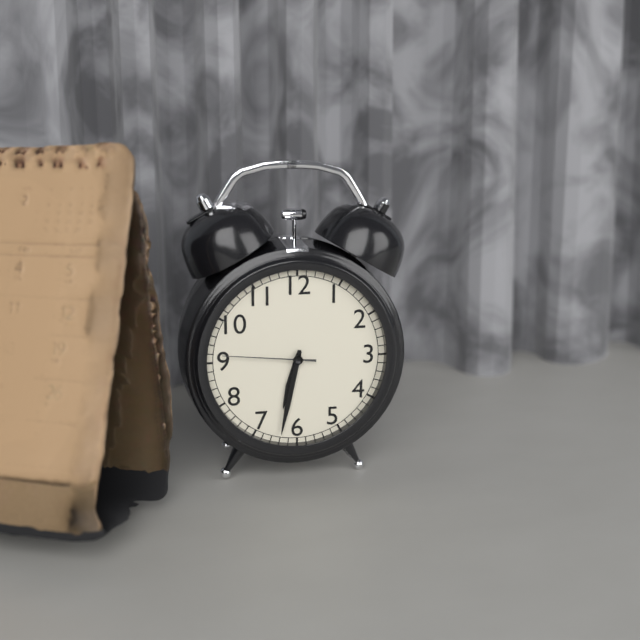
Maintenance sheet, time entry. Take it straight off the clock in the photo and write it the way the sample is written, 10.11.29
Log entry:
6.32.46
